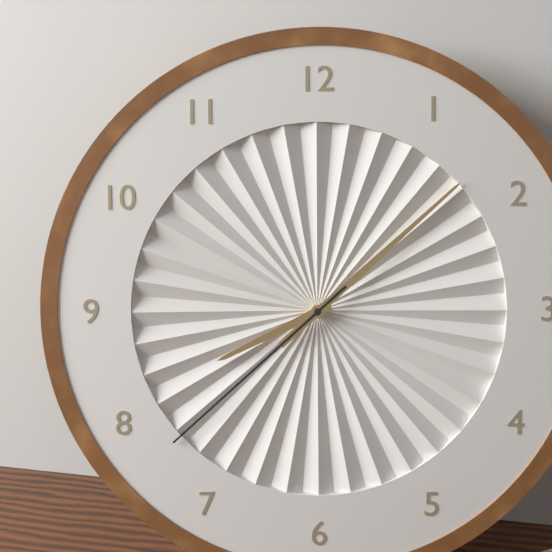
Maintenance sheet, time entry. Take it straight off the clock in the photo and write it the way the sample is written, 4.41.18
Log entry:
8.08.38
